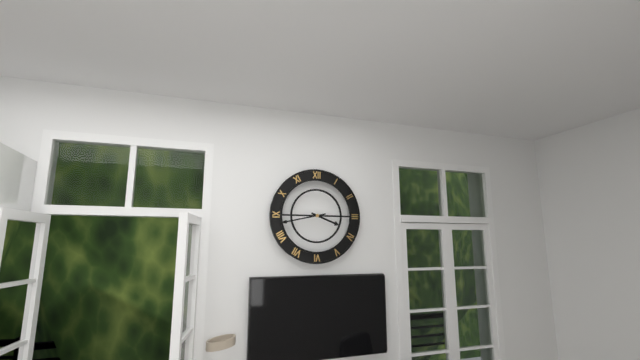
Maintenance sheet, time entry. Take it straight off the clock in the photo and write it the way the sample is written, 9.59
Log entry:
3.43
